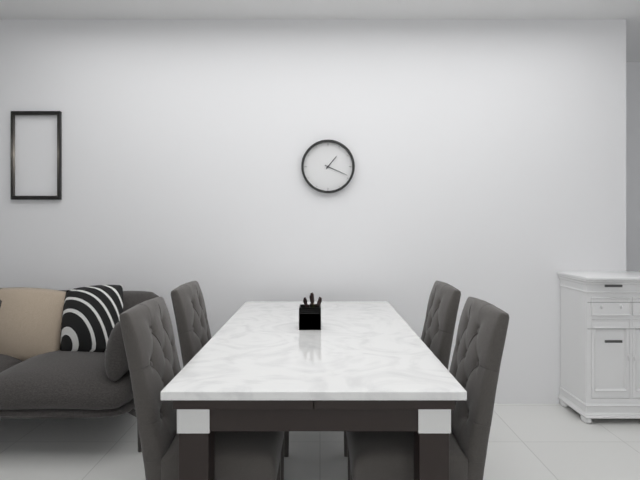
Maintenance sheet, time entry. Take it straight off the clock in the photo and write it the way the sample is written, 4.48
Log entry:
1.19
